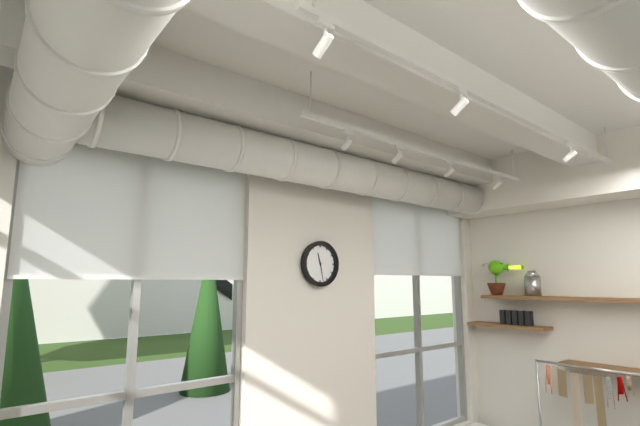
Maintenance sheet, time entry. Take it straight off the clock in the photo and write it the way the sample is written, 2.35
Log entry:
11.28
